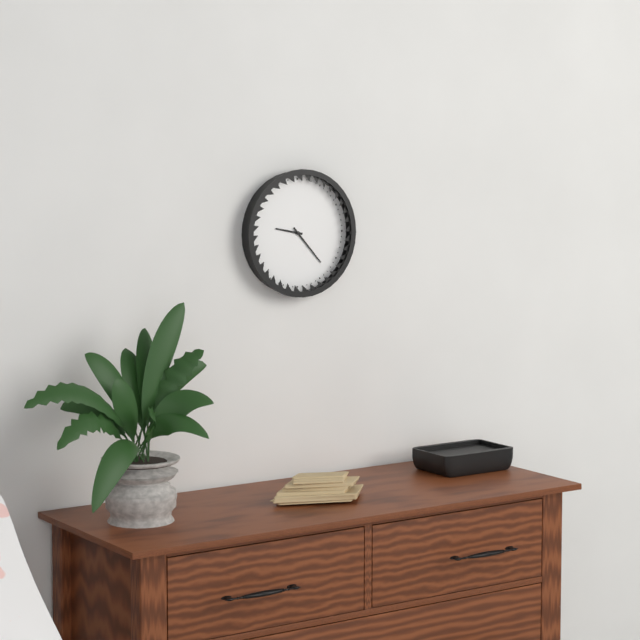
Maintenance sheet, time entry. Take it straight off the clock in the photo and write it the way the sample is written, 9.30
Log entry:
9.23
